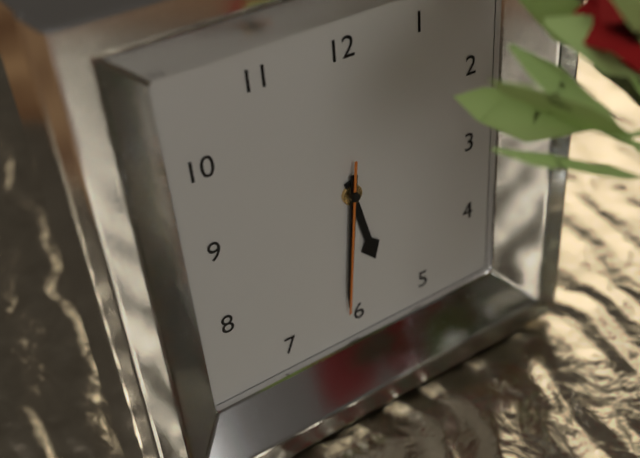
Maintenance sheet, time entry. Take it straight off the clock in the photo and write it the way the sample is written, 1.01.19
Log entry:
5.31.31
